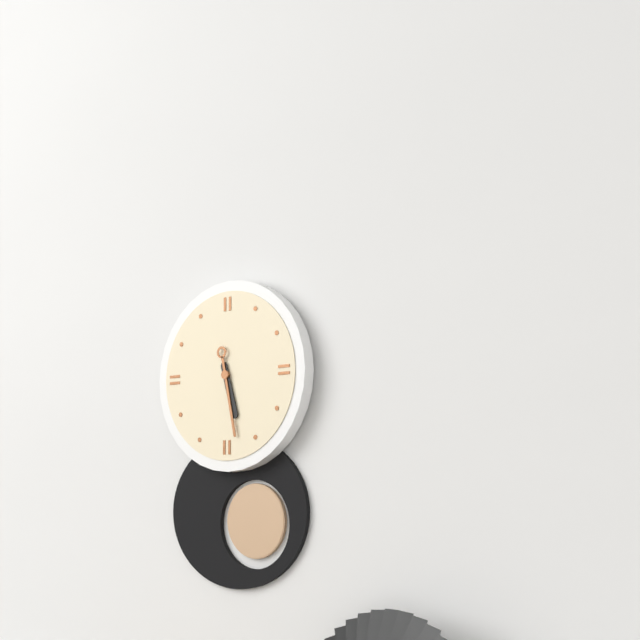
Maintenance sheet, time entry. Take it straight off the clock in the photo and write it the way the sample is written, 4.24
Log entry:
5.28
